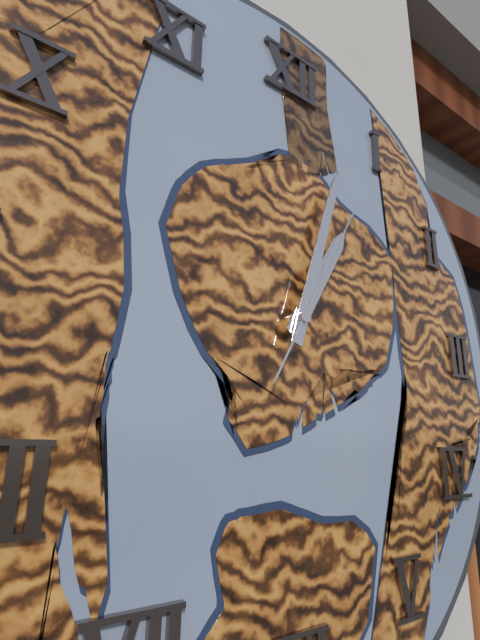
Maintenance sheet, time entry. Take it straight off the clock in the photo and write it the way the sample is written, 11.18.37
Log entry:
1.03.05
